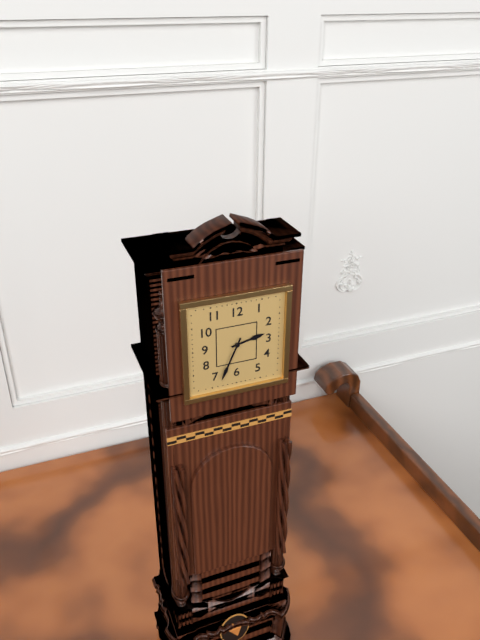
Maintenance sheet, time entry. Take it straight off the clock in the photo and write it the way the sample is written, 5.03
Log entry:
2.34
